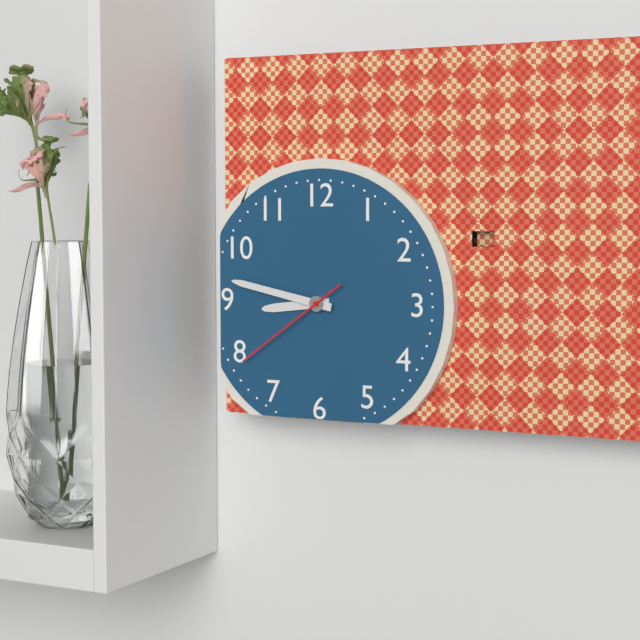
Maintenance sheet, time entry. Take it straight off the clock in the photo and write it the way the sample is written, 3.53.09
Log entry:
8.47.39
